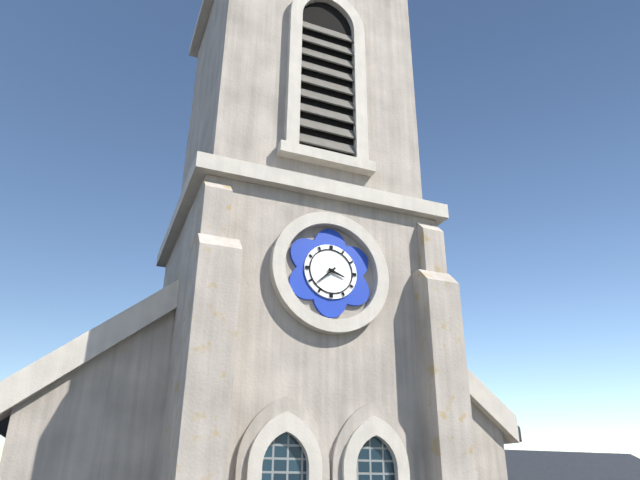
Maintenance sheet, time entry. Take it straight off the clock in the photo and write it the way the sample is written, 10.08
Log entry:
3.38
